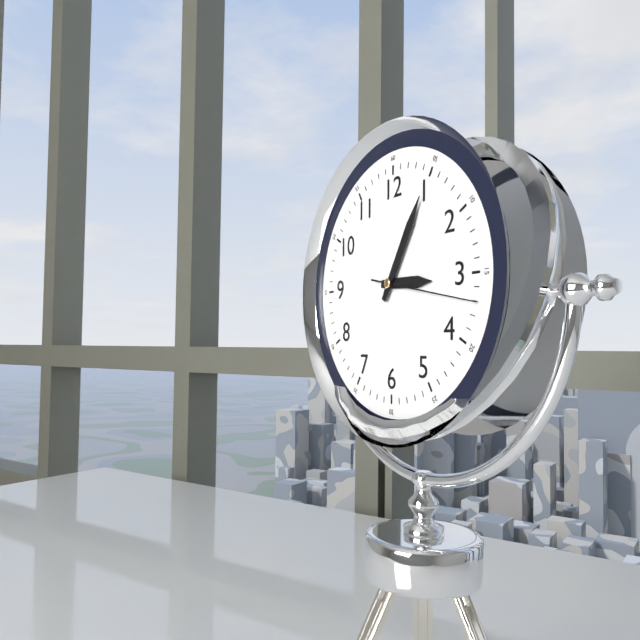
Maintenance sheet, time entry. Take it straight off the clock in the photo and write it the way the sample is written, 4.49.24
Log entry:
3.05.17
